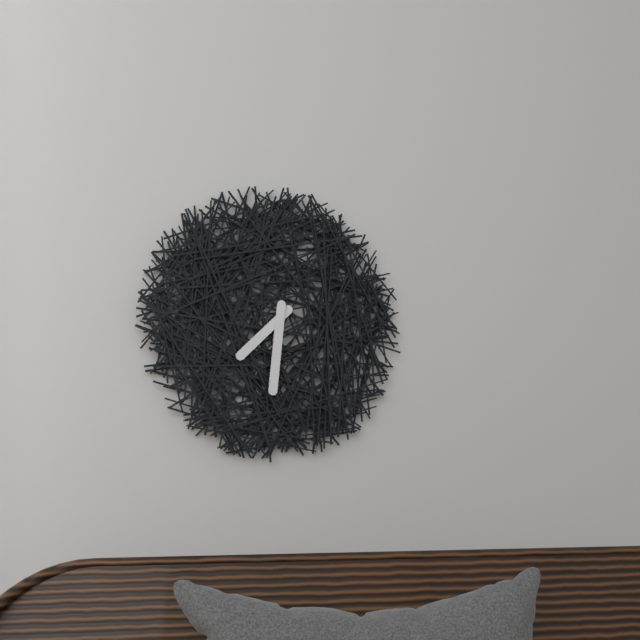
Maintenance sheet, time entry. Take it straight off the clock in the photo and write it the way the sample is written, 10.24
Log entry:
7.31
